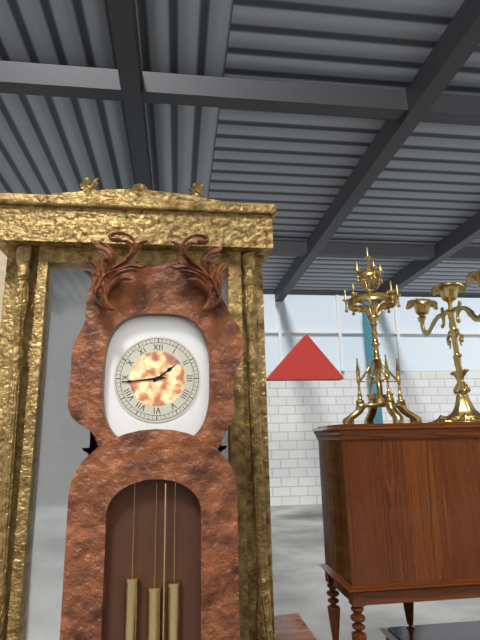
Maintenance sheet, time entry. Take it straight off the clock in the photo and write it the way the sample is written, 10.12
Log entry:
1.44
